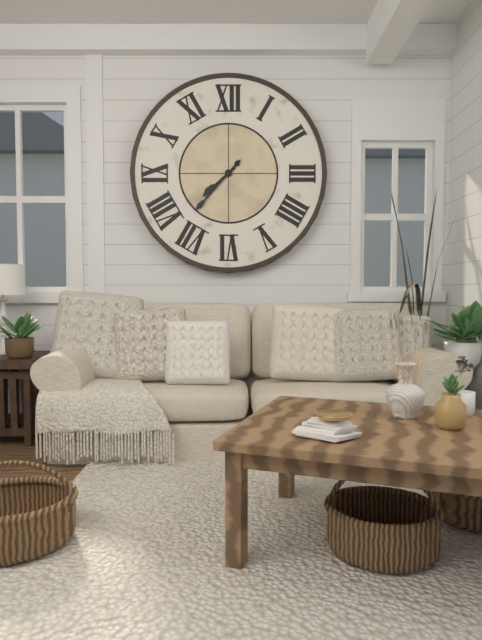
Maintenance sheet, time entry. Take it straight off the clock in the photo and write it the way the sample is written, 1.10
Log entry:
7.37
